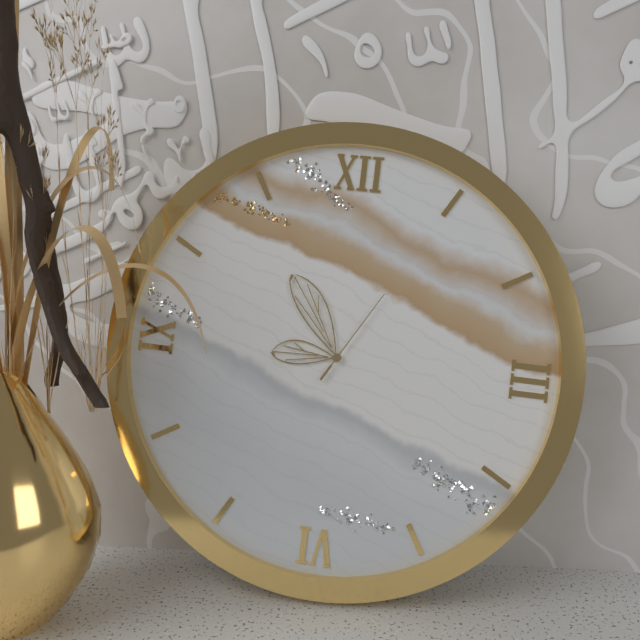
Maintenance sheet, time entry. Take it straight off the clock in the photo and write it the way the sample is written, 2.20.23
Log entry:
8.54.05
